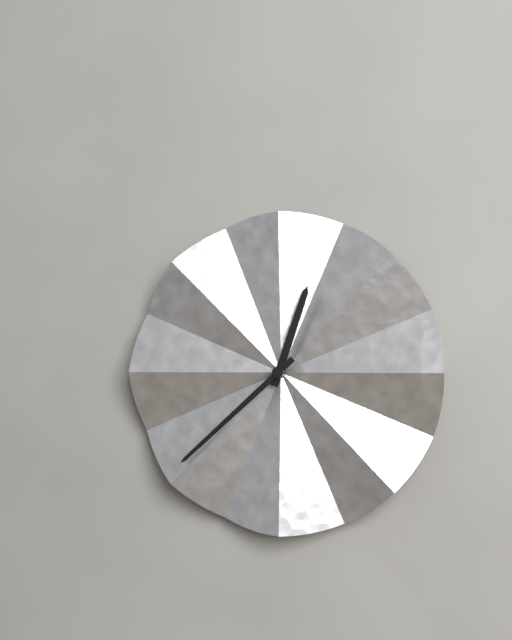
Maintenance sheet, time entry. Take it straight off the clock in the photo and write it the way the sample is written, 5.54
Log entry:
12.38
